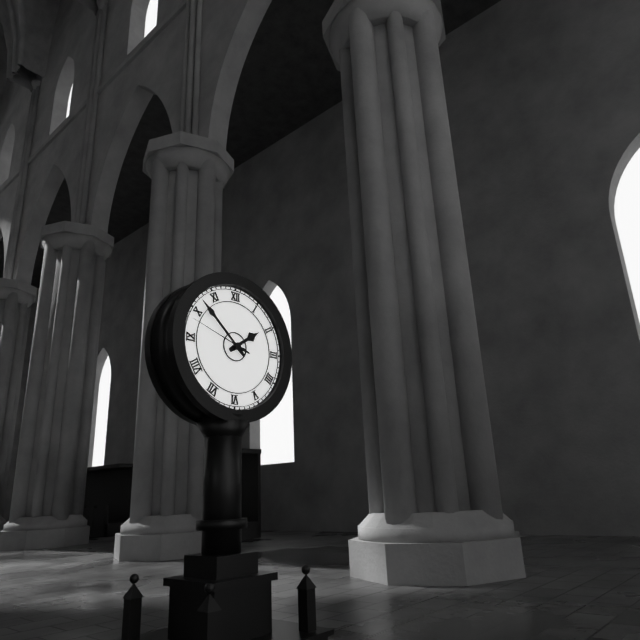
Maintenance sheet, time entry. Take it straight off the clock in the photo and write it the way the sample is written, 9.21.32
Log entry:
1.52.48
